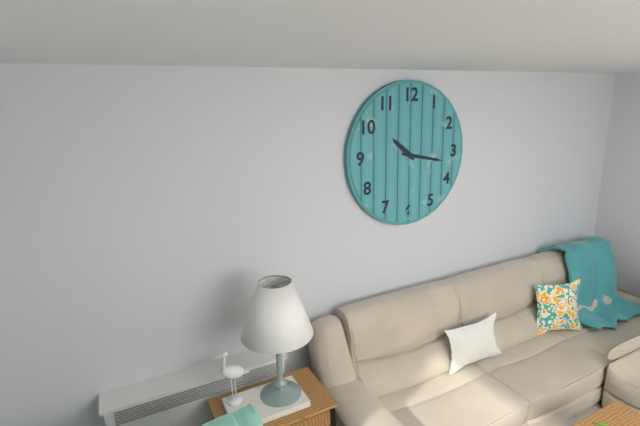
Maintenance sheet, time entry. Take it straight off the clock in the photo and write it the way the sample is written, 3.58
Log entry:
10.17
